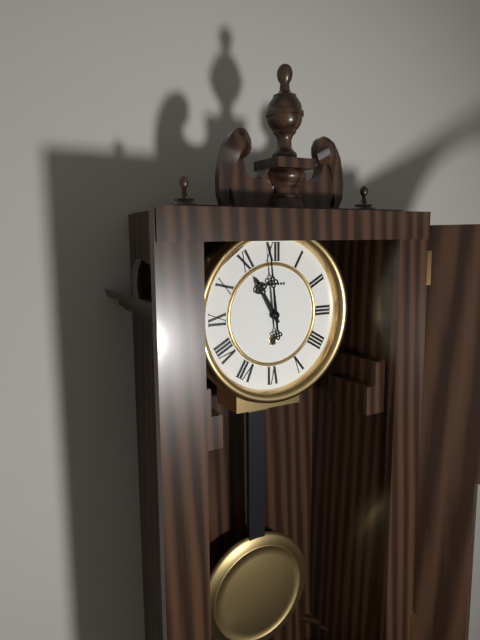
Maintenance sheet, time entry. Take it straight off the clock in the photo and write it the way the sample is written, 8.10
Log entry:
10.59
